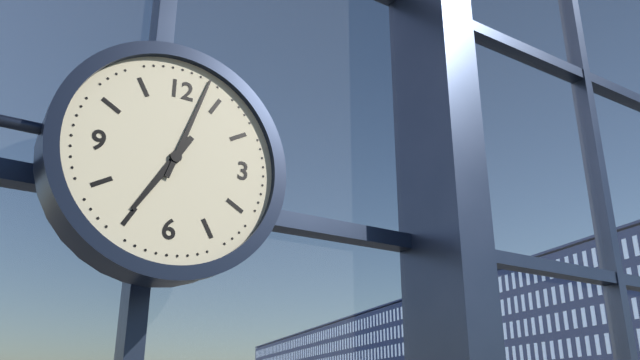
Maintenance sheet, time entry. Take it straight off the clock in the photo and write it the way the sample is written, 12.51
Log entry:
7.03
